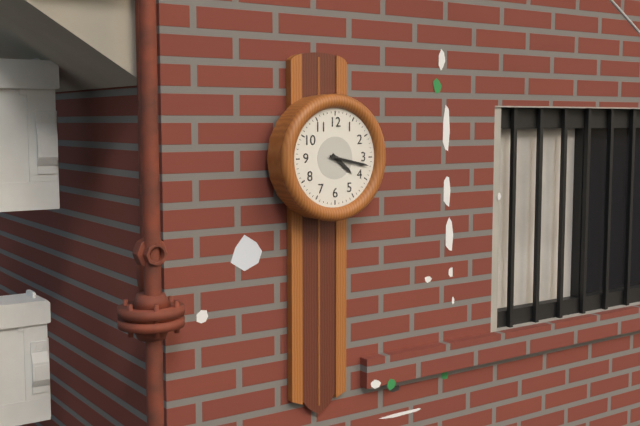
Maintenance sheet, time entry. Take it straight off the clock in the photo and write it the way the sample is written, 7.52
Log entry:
4.17
